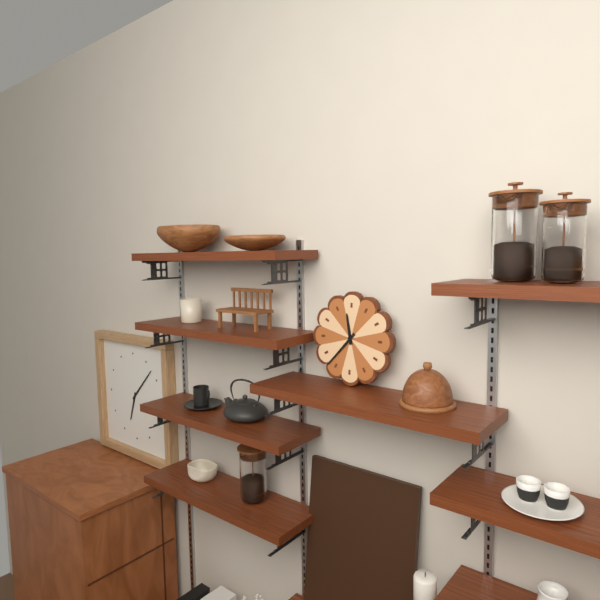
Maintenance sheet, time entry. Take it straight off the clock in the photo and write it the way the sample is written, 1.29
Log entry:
11.37
